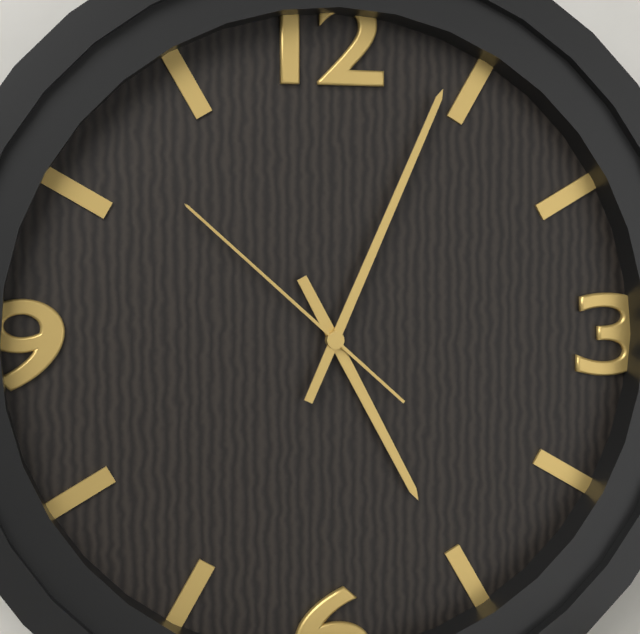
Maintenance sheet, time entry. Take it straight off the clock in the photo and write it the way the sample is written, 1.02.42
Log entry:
5.04.52
